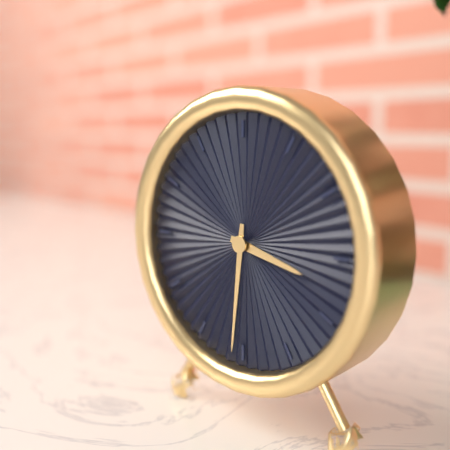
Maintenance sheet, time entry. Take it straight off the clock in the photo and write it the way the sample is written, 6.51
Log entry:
3.31
